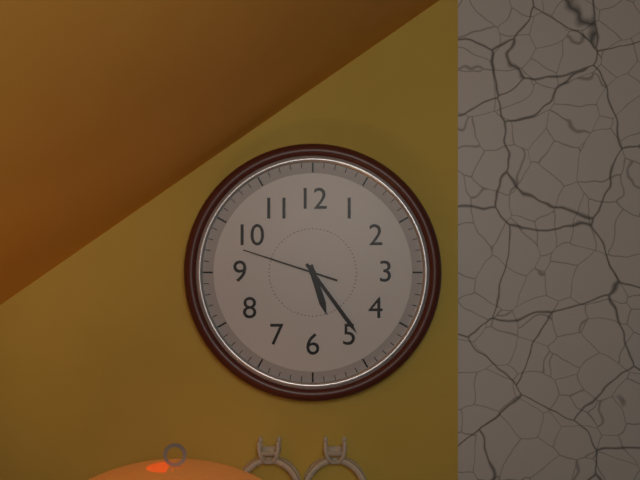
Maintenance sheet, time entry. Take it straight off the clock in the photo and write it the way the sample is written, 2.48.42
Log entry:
5.24.48
